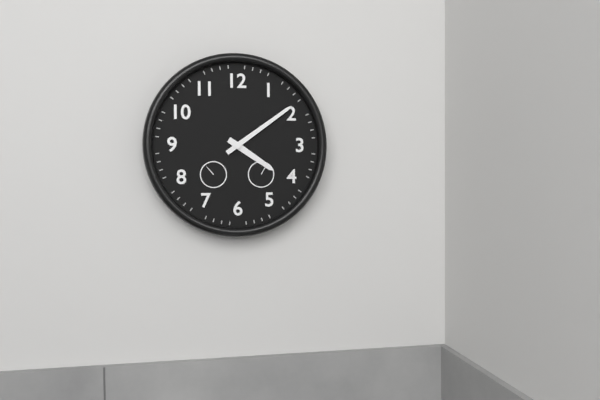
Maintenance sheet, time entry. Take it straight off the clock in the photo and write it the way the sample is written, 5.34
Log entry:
4.09
